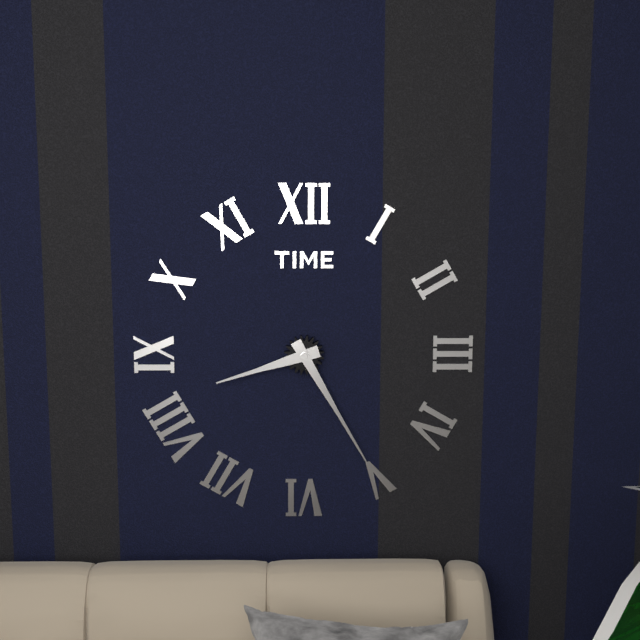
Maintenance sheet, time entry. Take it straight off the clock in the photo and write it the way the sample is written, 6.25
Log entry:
8.25
